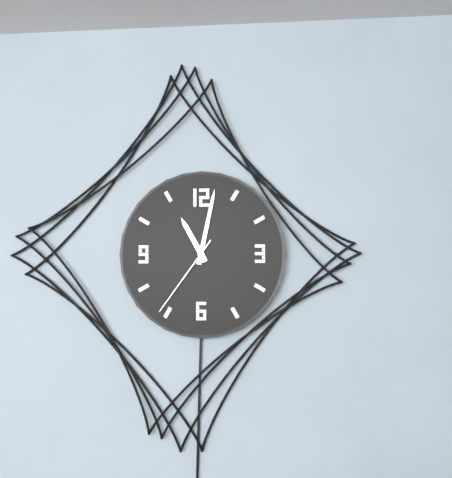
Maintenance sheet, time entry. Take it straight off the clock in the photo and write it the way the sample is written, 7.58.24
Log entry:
11.02.36
